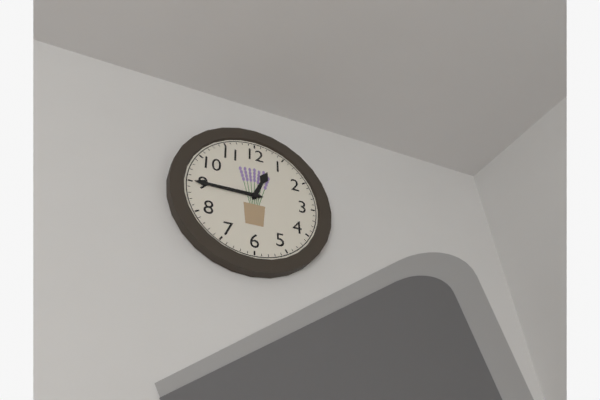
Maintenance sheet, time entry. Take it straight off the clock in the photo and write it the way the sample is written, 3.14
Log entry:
12.45
